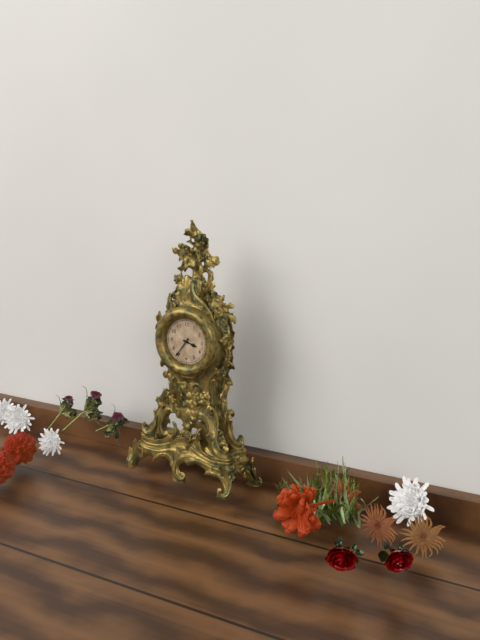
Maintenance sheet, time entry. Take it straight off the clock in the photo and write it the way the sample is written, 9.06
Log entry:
3.36
